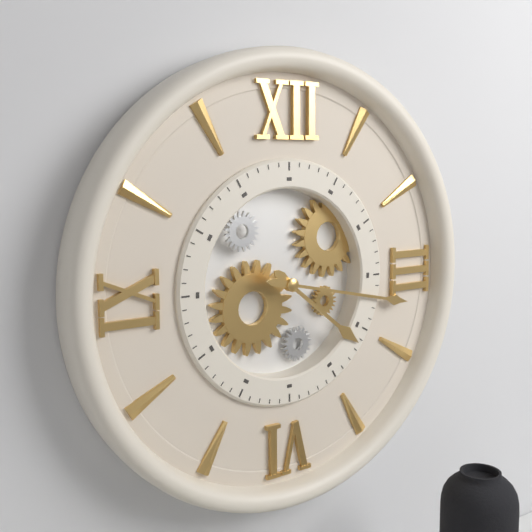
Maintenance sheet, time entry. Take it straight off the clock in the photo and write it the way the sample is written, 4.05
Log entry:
4.17
